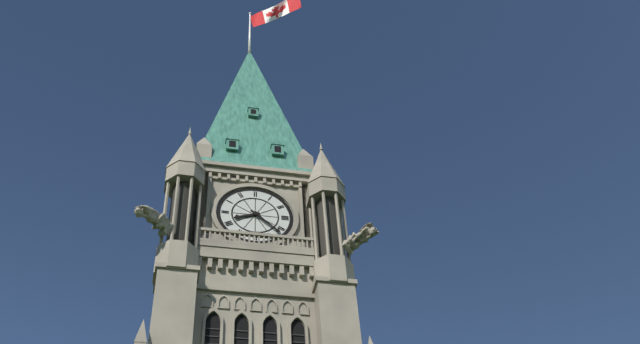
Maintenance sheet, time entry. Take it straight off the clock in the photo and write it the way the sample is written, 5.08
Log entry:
8.22
